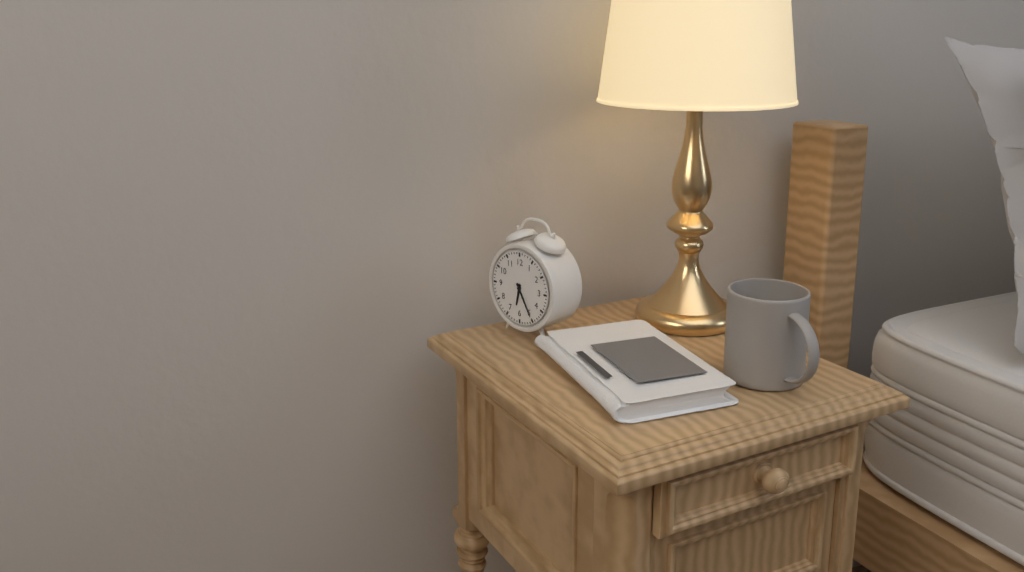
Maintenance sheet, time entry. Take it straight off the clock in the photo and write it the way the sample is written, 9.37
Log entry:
6.25
